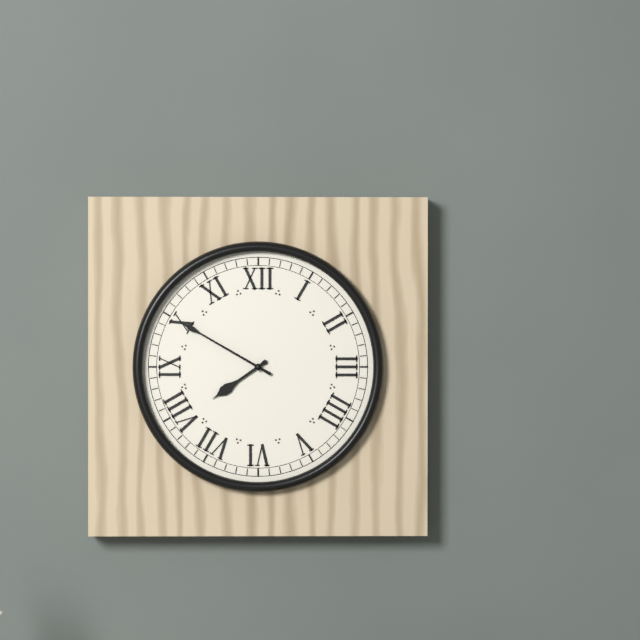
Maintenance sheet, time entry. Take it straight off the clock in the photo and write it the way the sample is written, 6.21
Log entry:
7.50
